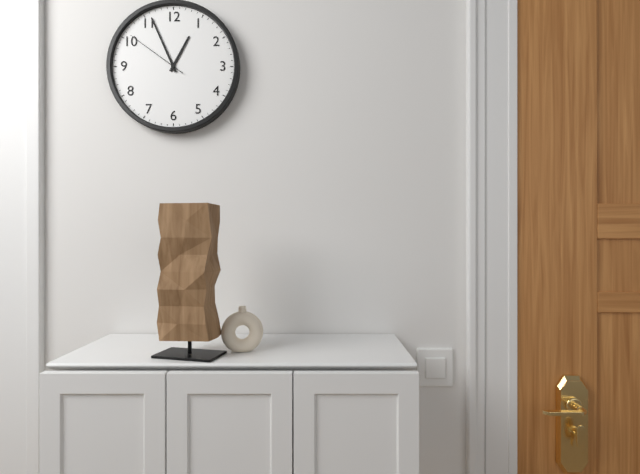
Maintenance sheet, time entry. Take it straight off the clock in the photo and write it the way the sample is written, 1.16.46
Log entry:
12.56.51
